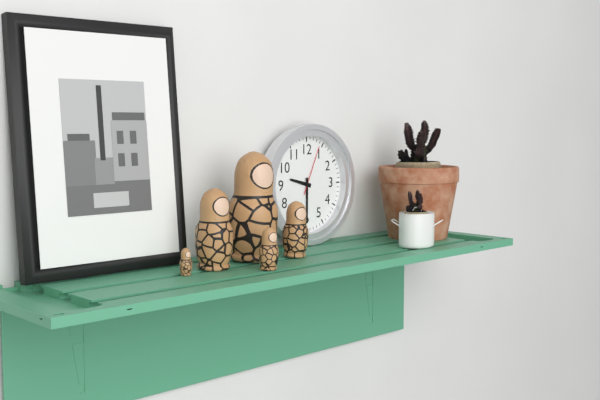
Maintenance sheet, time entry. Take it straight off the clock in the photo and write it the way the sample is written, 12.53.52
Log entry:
9.30.04
